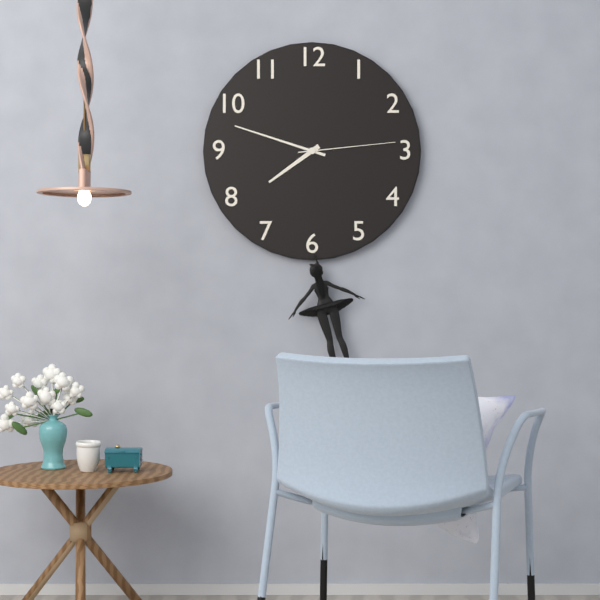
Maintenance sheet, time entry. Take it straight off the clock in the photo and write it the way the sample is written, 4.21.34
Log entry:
7.48.14
